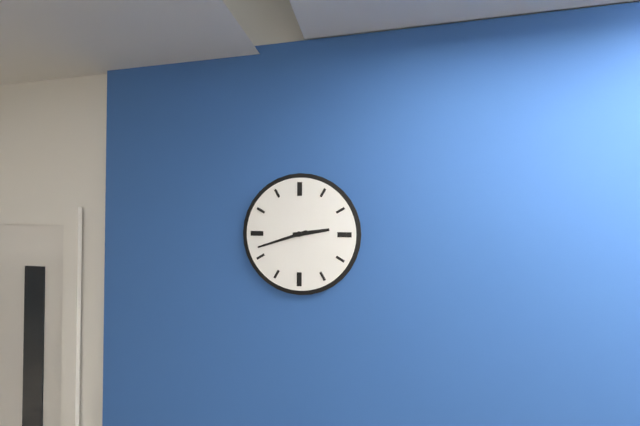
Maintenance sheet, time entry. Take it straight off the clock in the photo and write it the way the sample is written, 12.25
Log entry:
2.42
